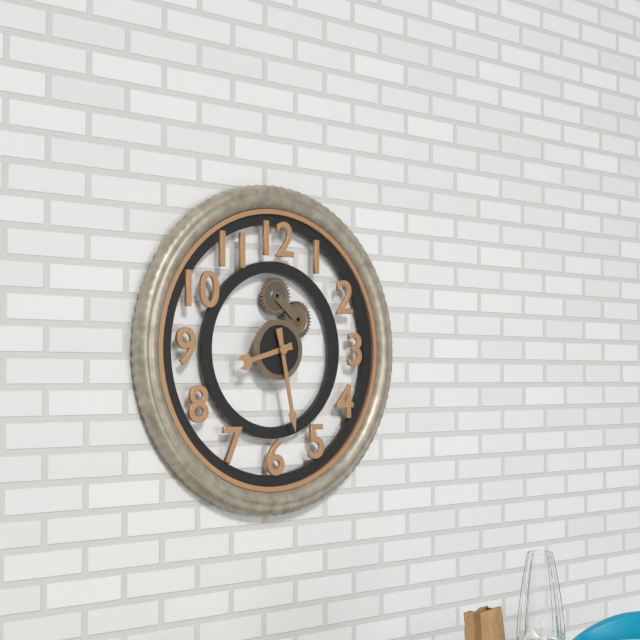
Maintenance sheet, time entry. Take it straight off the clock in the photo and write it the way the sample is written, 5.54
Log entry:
8.28
